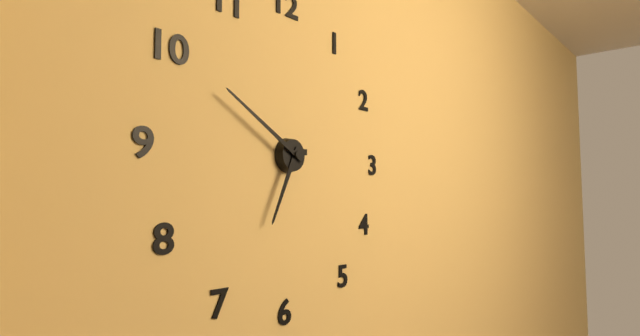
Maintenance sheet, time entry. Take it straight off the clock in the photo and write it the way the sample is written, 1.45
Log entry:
6.50
